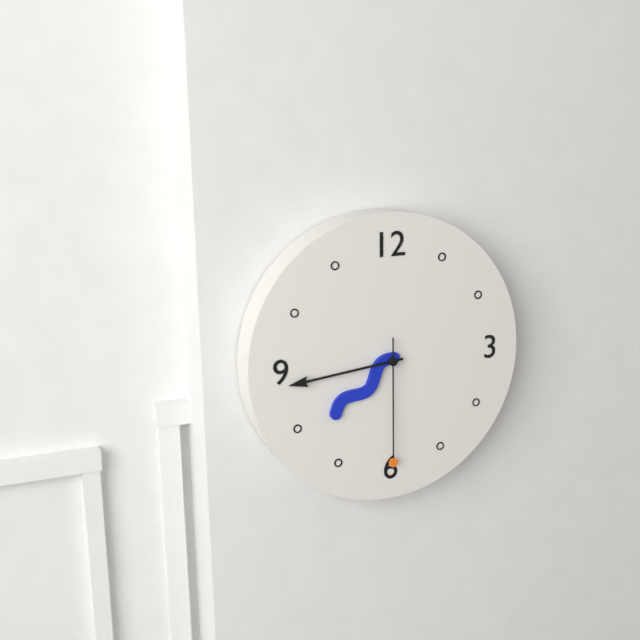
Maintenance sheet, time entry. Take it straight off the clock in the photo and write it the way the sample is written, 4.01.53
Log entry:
7.44.30
